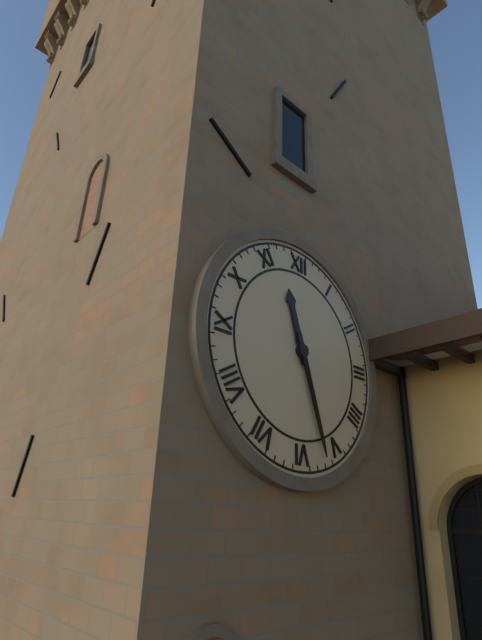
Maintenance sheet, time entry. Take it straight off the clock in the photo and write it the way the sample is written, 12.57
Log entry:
11.27
